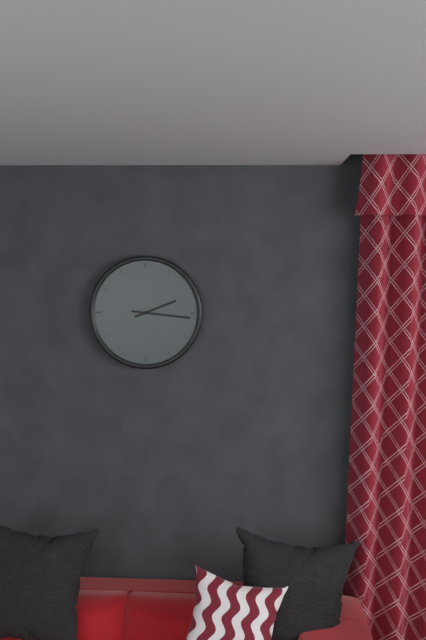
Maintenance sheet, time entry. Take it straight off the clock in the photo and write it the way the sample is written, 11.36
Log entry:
2.16
